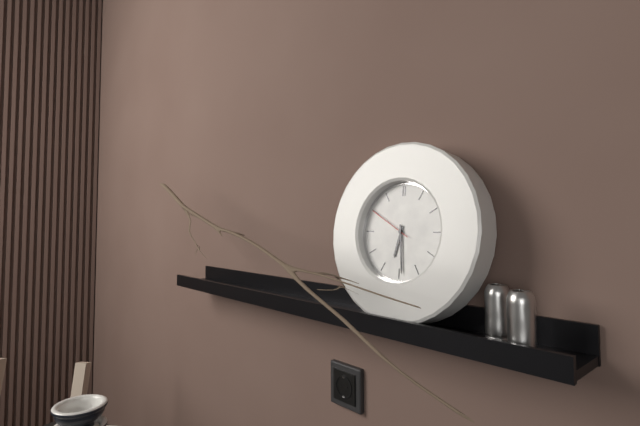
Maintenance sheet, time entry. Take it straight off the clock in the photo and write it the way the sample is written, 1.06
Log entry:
6.29
